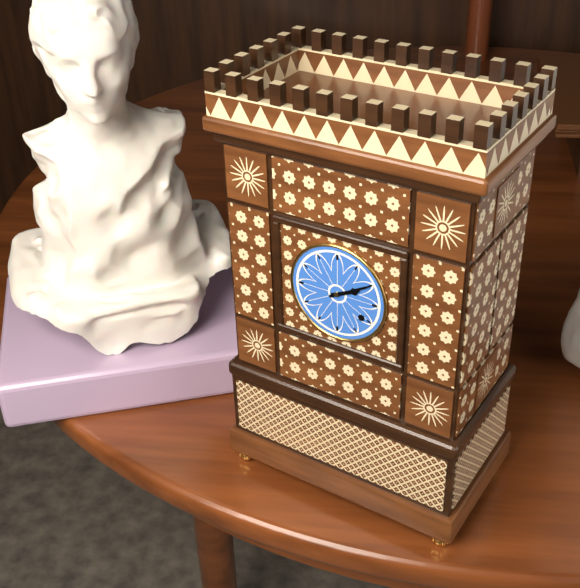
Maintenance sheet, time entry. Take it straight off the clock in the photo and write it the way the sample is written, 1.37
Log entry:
2.10
